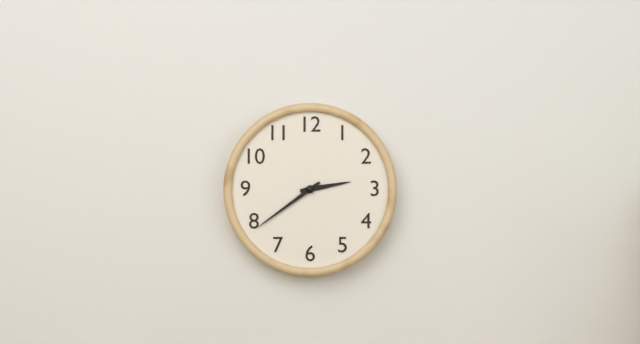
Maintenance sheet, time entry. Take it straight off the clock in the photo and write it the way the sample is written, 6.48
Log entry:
2.39
